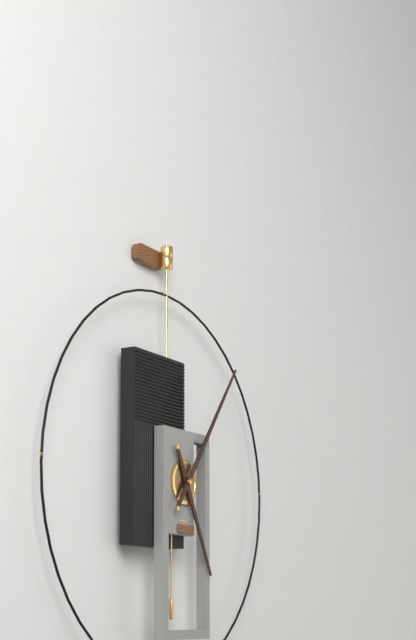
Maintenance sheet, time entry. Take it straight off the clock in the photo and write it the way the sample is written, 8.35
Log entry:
5.06
